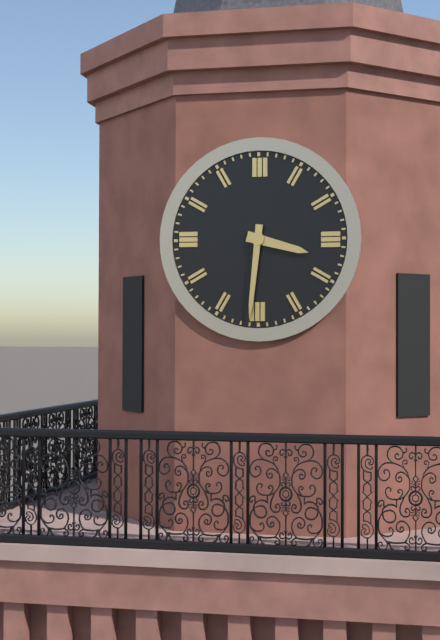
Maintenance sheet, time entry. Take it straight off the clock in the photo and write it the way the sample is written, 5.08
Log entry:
3.31
